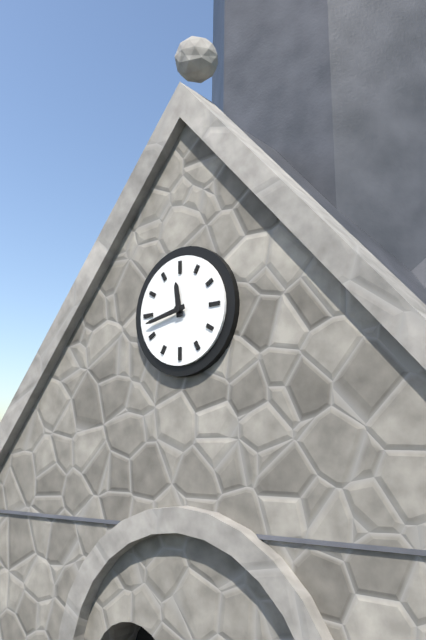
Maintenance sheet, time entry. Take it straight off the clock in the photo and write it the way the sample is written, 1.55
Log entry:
11.43
